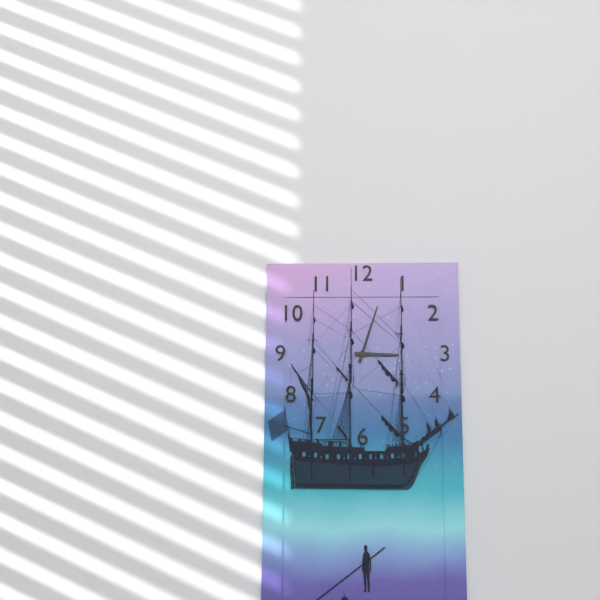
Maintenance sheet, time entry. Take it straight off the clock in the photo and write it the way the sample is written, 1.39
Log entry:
3.03
